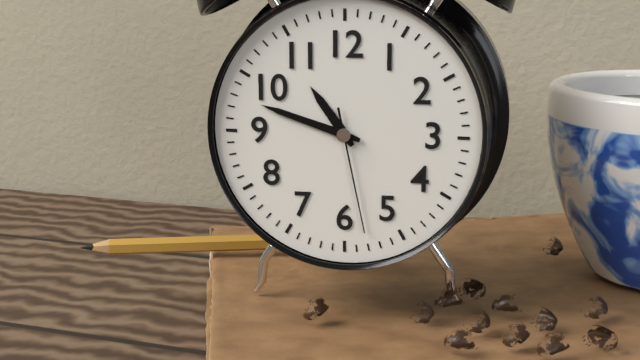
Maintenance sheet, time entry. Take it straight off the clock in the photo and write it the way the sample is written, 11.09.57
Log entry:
10.48.28
